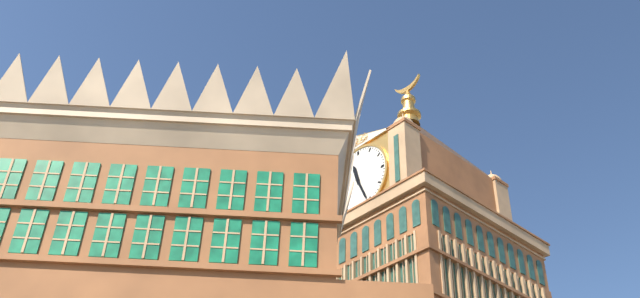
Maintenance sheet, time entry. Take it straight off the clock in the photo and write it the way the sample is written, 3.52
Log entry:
11.26
